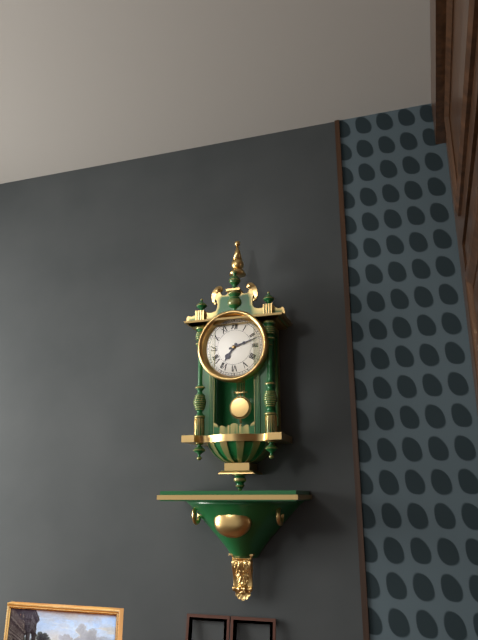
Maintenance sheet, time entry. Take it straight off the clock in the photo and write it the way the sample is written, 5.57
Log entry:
7.12
